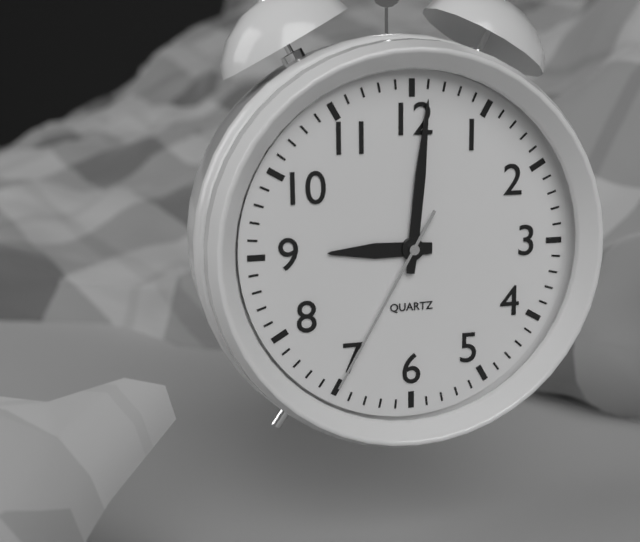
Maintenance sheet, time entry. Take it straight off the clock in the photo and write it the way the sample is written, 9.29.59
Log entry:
9.01.35
